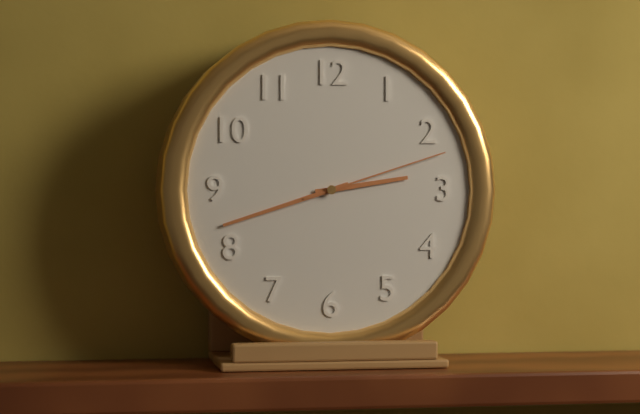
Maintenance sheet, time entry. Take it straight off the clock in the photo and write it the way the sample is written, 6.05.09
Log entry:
2.42.12
